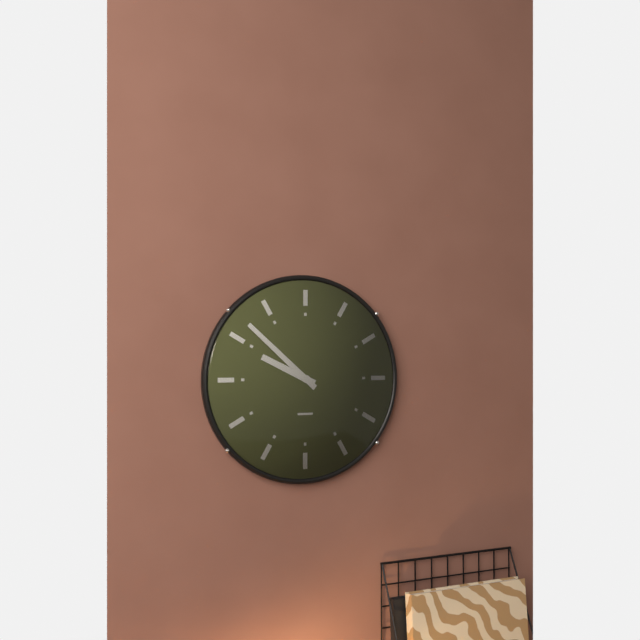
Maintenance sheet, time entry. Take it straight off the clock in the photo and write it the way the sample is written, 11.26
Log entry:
9.52
